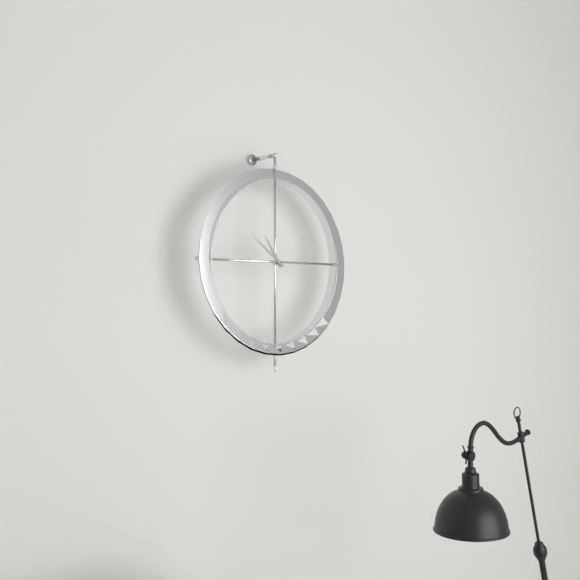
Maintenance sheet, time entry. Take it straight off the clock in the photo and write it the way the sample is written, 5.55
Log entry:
10.51
